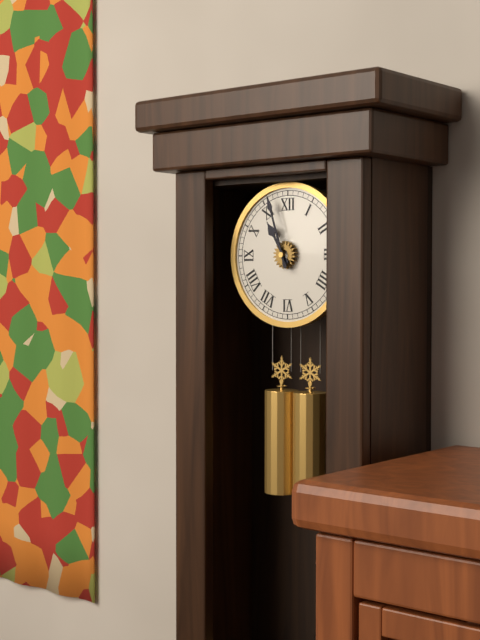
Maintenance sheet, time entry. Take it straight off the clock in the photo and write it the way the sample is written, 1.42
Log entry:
10.57
